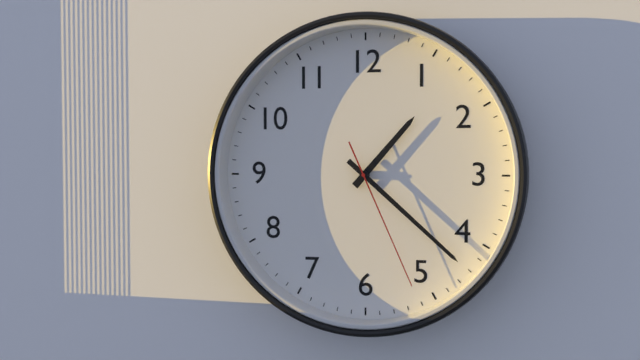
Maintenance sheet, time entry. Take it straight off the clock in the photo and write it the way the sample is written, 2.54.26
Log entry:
1.22.26
